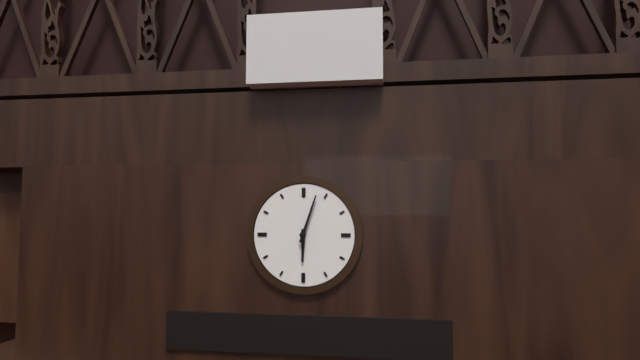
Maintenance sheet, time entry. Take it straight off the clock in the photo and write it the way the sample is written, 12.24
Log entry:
6.03
